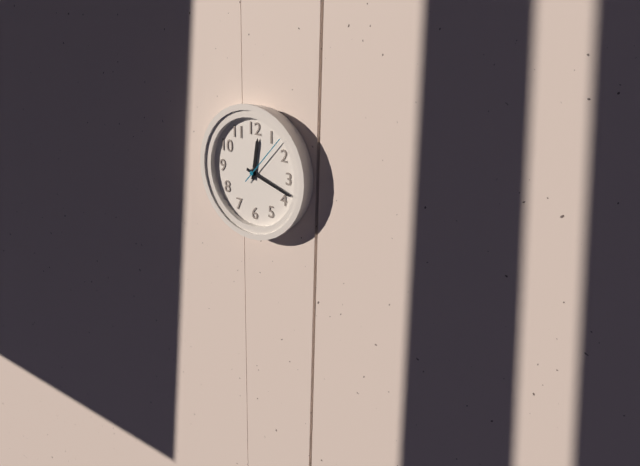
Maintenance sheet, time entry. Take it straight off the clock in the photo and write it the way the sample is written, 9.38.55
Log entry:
12.18.07
